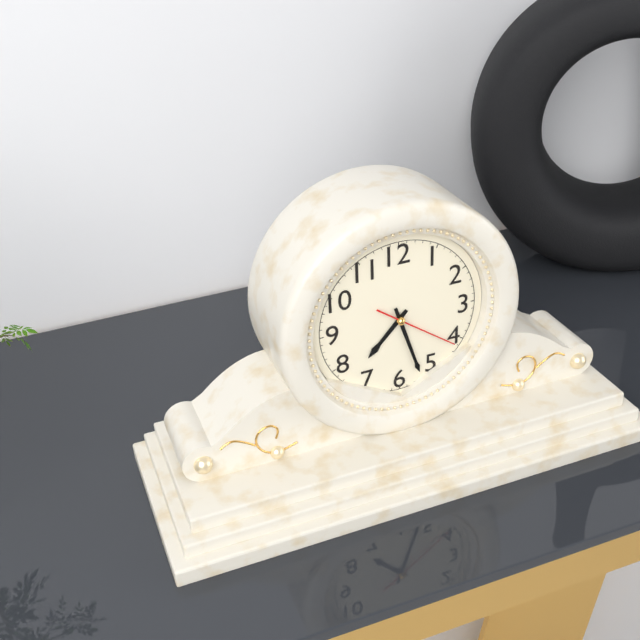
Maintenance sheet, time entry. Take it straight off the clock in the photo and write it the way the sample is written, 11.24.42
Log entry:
7.27.21
